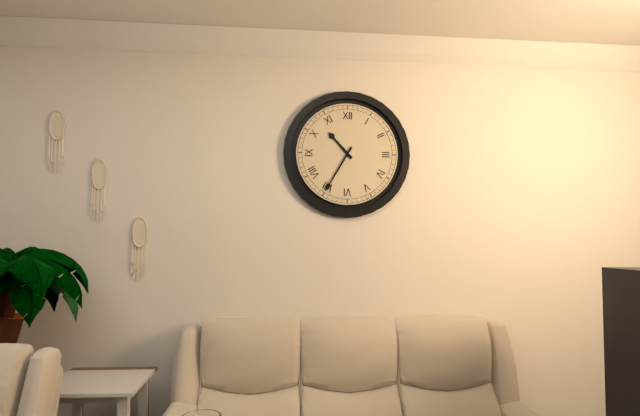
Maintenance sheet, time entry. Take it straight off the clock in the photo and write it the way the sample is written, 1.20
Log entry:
10.35
